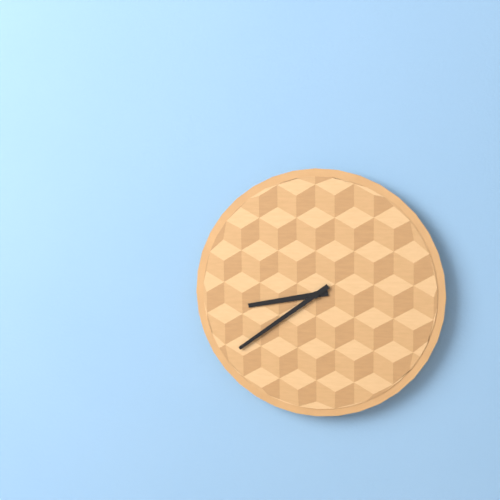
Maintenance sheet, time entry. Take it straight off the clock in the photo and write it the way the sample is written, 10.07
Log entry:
8.39
